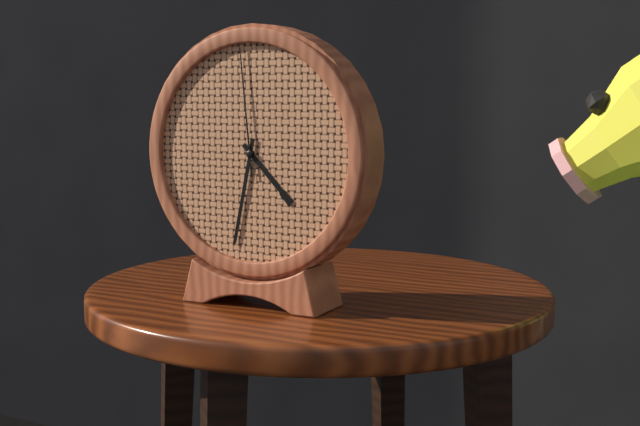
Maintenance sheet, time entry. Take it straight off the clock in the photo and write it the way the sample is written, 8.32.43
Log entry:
4.32.59
